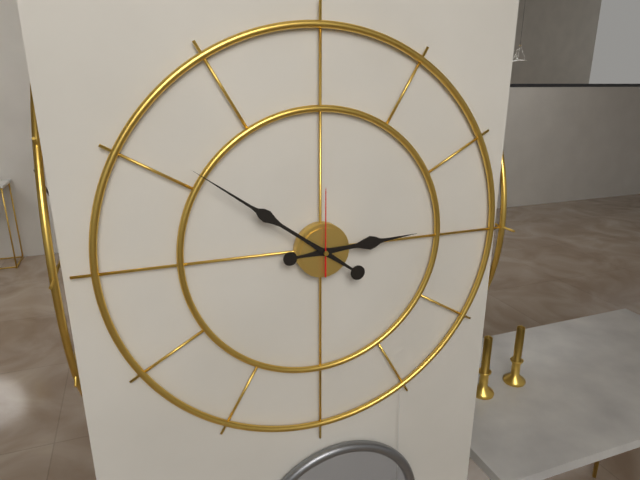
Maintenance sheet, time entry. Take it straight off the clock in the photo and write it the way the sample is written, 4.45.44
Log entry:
2.51.00
